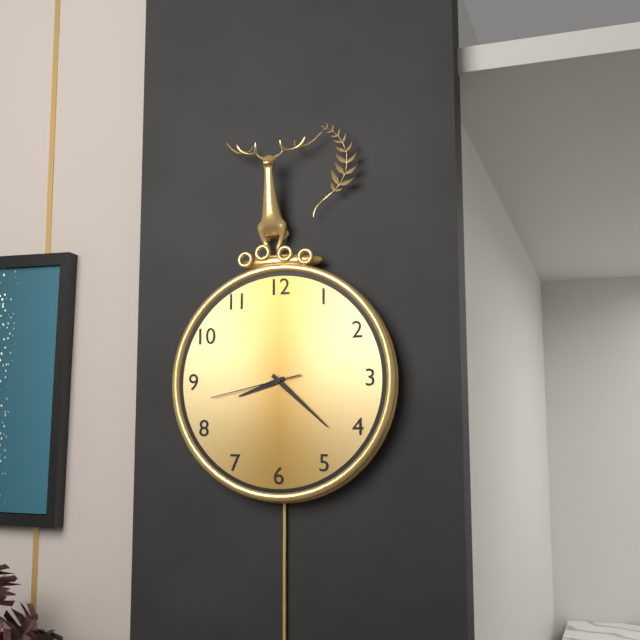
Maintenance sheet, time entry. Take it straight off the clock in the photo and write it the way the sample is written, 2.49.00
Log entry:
8.22.43
